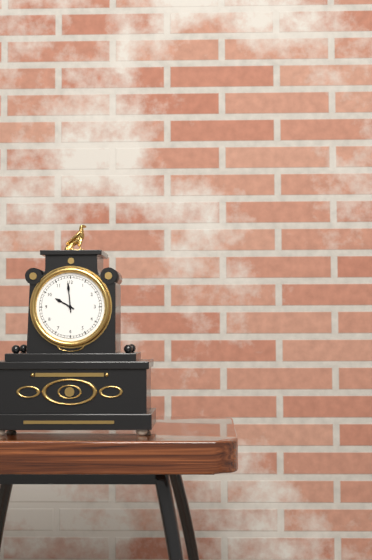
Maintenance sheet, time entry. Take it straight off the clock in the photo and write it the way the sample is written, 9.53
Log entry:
9.59
